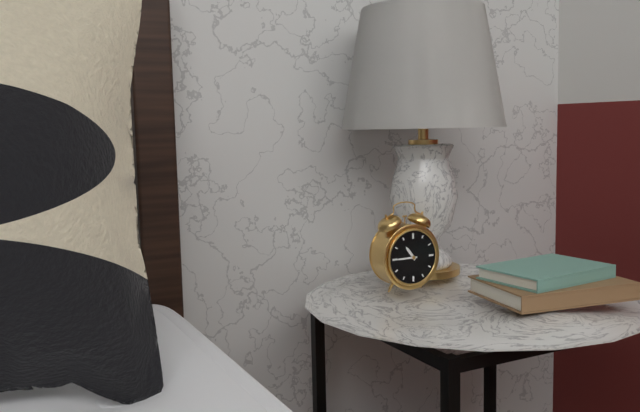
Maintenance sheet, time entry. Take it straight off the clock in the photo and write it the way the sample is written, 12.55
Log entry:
10.45
